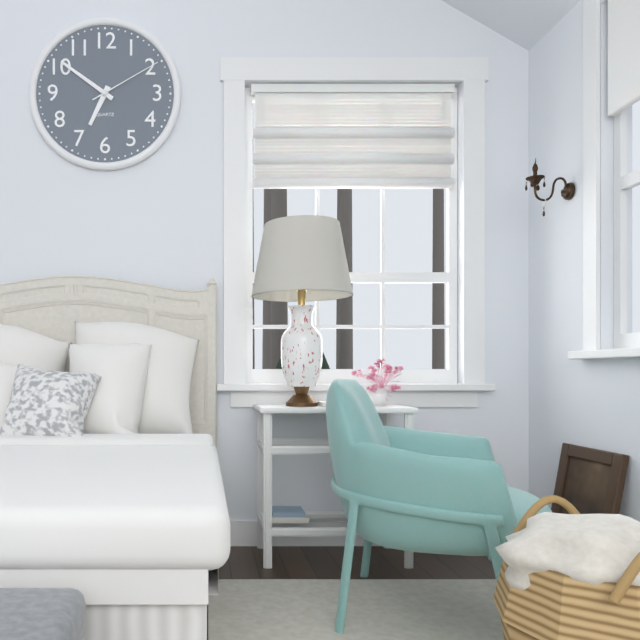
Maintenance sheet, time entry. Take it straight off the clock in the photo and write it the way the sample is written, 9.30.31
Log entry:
6.51.10
